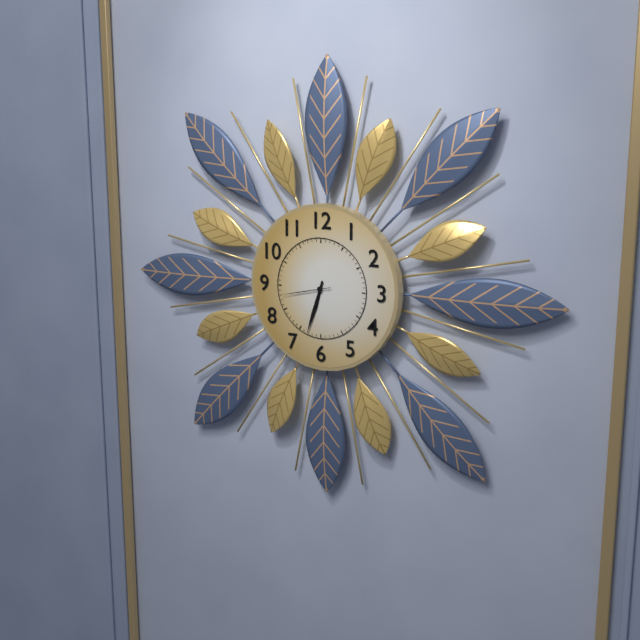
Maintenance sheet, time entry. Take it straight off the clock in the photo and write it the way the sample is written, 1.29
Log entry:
6.33
